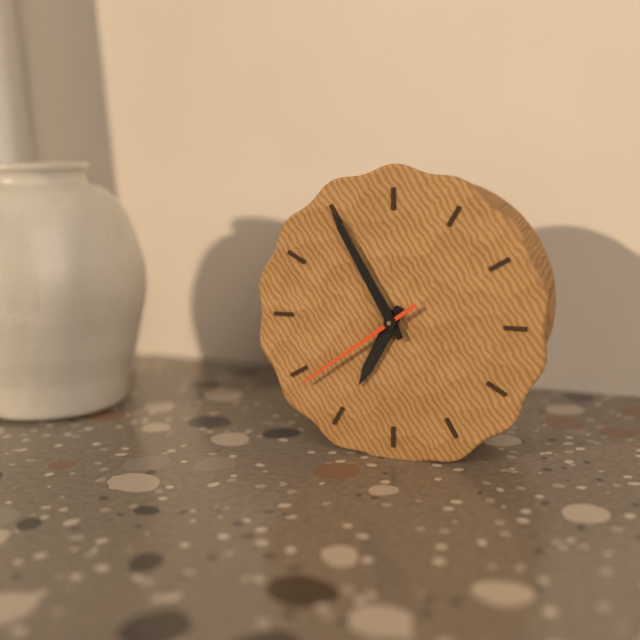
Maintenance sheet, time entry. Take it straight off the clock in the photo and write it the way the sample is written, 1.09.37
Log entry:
6.55.39
